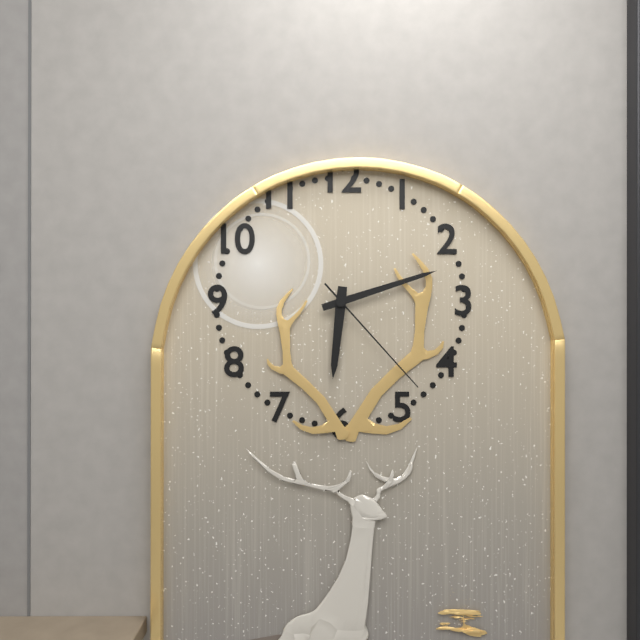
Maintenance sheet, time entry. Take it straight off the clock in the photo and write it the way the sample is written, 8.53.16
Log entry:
6.12.23
